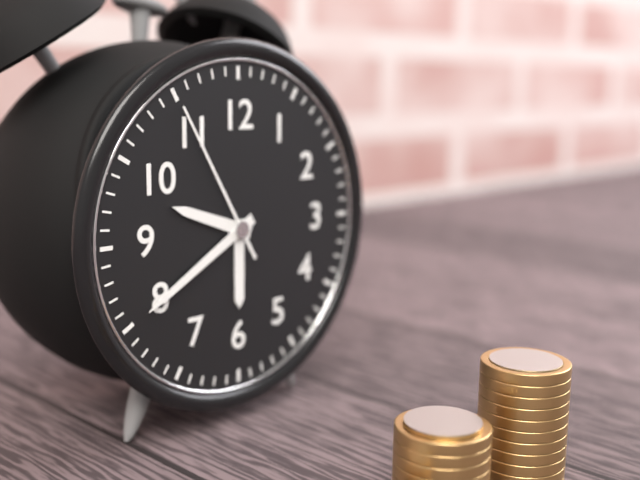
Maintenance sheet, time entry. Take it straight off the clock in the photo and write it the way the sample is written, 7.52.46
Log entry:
9.40.55
